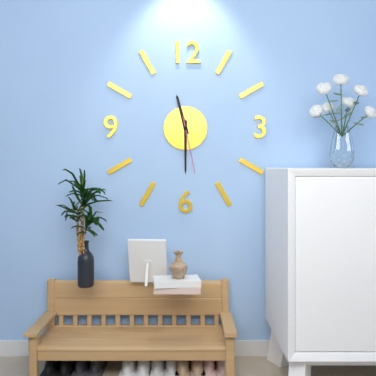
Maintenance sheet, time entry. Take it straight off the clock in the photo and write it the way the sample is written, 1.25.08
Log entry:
11.30.28
